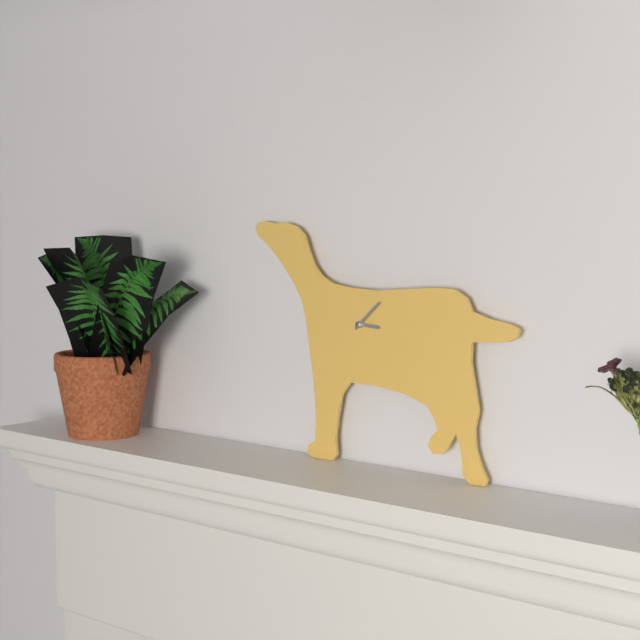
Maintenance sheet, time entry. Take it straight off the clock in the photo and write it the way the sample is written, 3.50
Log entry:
3.08
